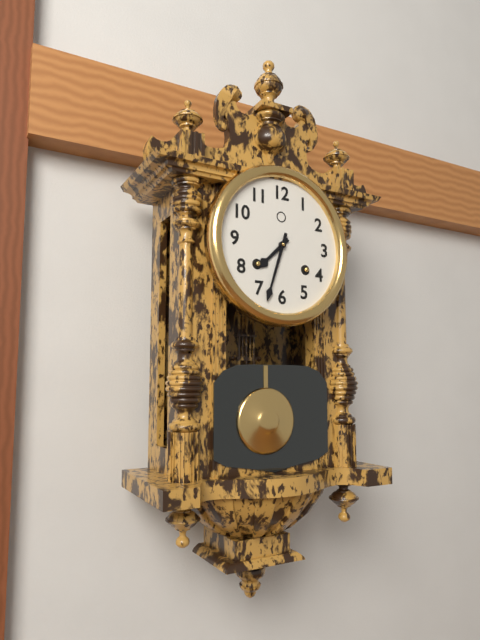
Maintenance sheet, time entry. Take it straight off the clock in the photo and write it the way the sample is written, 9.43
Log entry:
7.33
